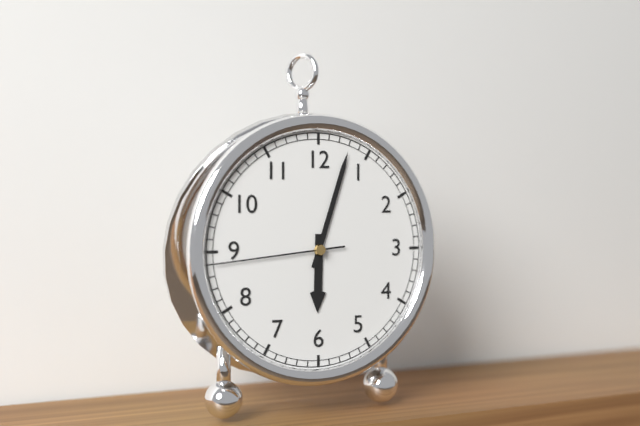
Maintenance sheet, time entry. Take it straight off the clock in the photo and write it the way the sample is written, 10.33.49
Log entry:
6.03.44
